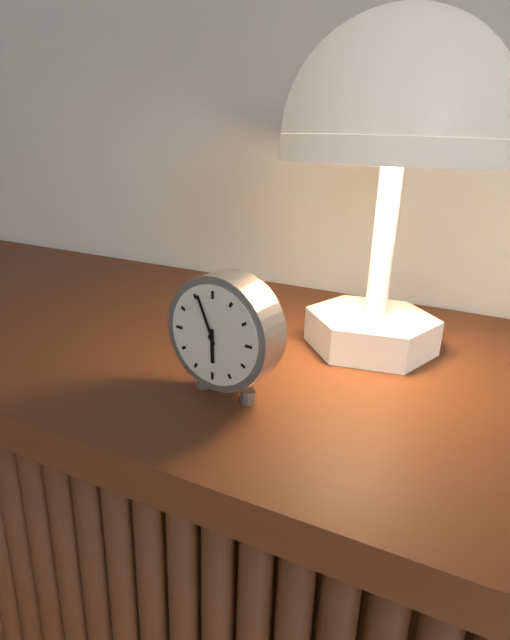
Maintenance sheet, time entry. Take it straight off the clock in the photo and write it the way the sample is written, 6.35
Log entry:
5.56
